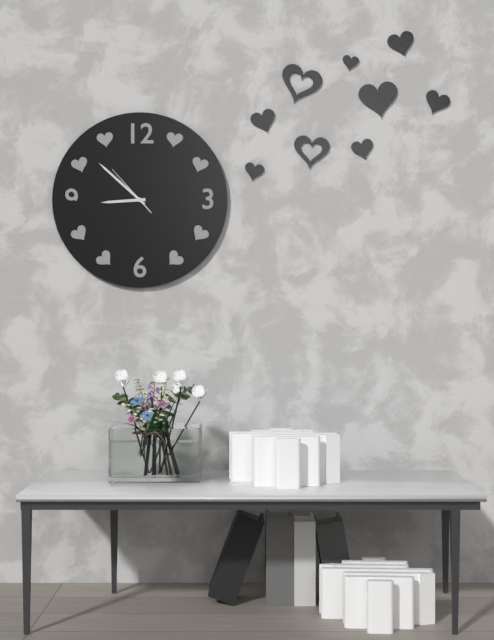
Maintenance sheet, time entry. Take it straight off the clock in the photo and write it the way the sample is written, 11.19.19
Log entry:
8.52.53
